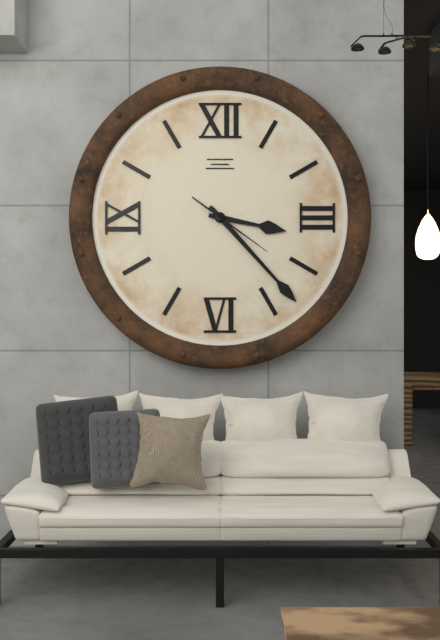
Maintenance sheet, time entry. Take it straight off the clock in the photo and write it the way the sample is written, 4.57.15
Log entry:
3.23.21
